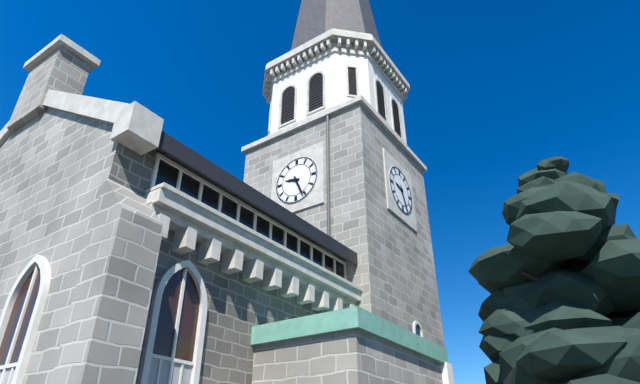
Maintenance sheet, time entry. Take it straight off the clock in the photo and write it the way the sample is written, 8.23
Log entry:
9.26
